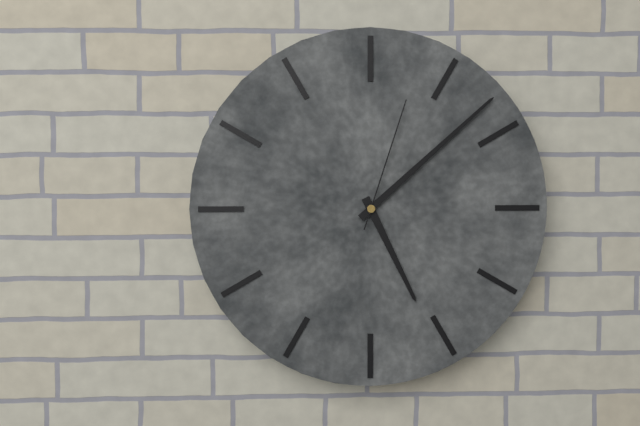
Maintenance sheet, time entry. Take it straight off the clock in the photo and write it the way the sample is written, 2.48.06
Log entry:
5.08.03
